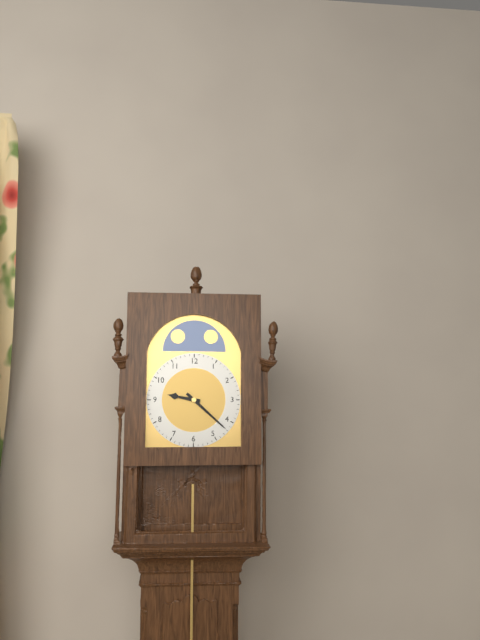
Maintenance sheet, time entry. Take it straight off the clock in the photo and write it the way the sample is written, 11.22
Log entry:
9.22
